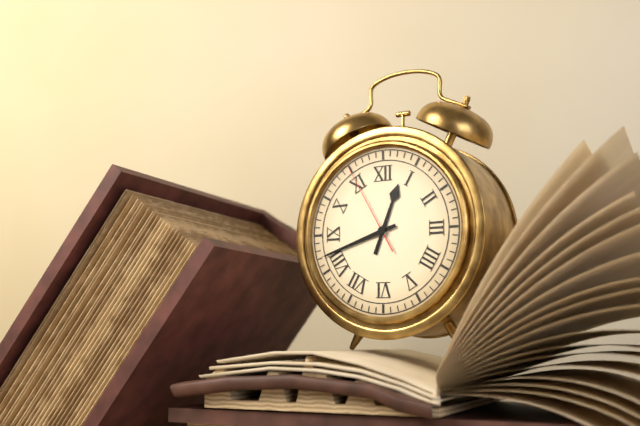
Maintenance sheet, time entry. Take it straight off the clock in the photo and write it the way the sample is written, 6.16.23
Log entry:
12.42.55
